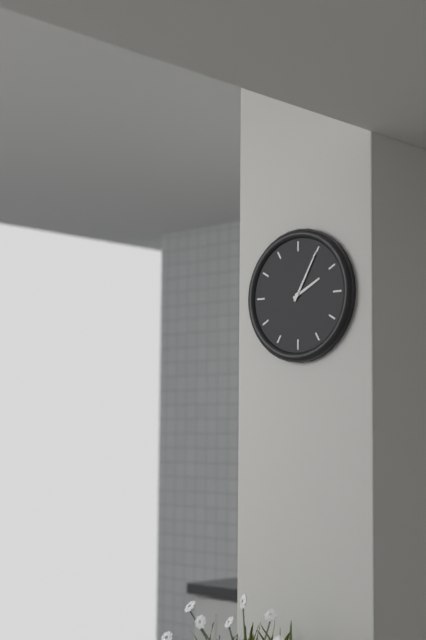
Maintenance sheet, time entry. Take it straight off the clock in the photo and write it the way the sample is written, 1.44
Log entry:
2.05
